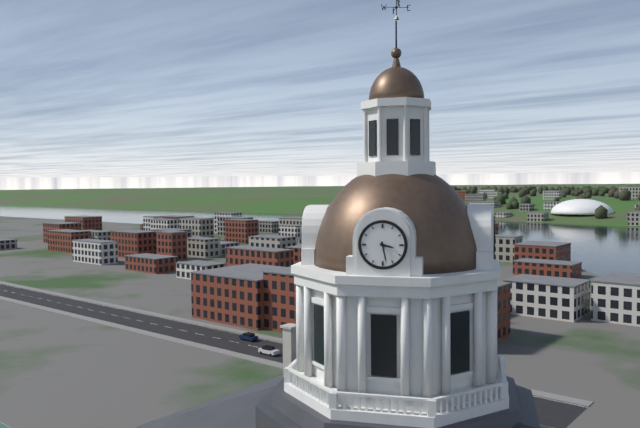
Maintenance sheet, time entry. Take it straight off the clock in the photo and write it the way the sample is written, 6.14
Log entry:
3.28
